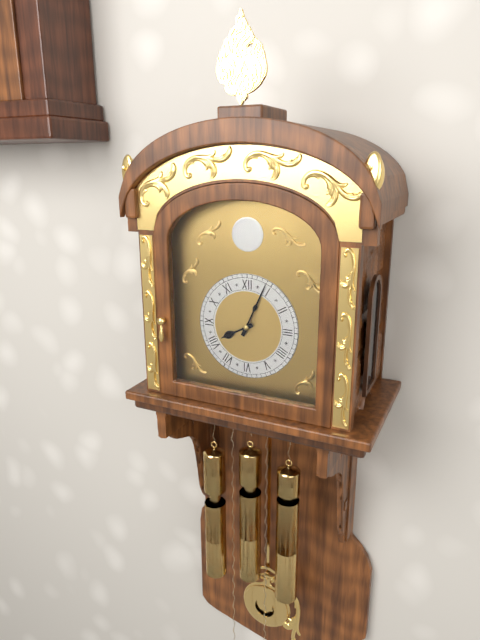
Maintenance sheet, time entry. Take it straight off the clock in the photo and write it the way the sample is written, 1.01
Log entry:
8.04
